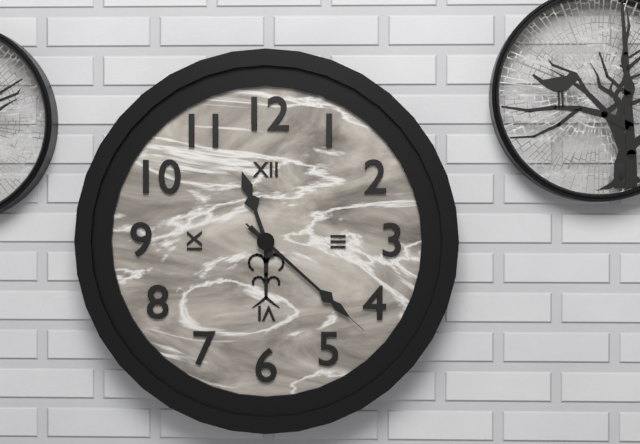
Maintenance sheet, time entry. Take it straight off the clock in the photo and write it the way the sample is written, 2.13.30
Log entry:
11.22.22
